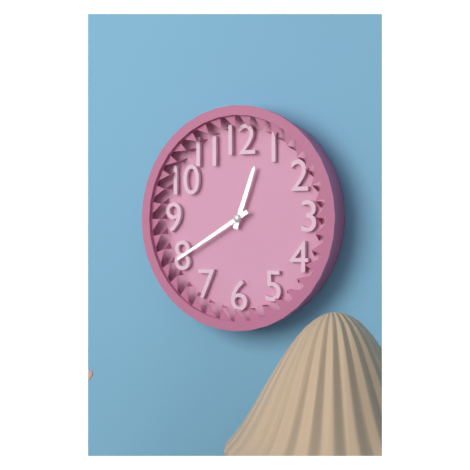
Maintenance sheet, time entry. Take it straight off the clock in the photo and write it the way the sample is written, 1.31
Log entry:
12.40
